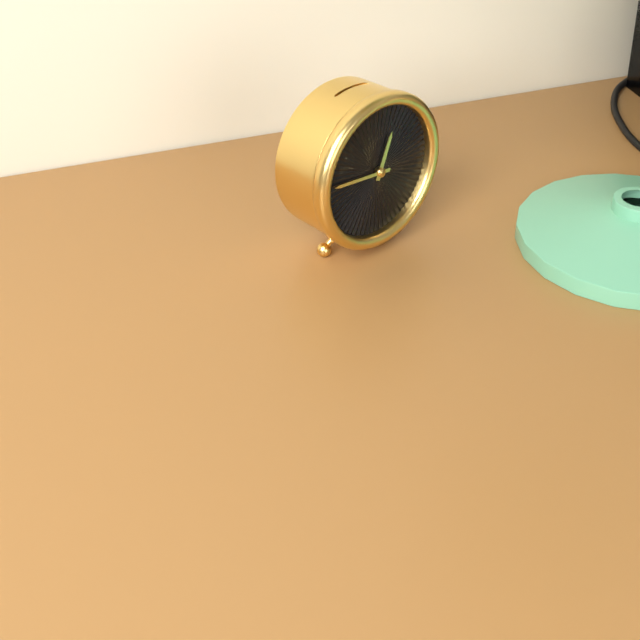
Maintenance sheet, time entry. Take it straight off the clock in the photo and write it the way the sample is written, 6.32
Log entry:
12.46
